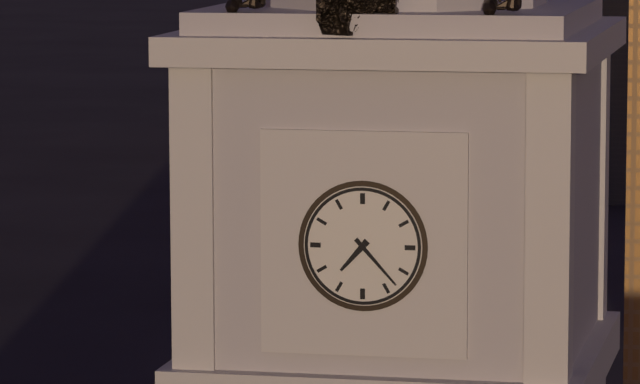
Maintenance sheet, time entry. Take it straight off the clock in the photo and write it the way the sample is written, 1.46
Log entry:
7.23
